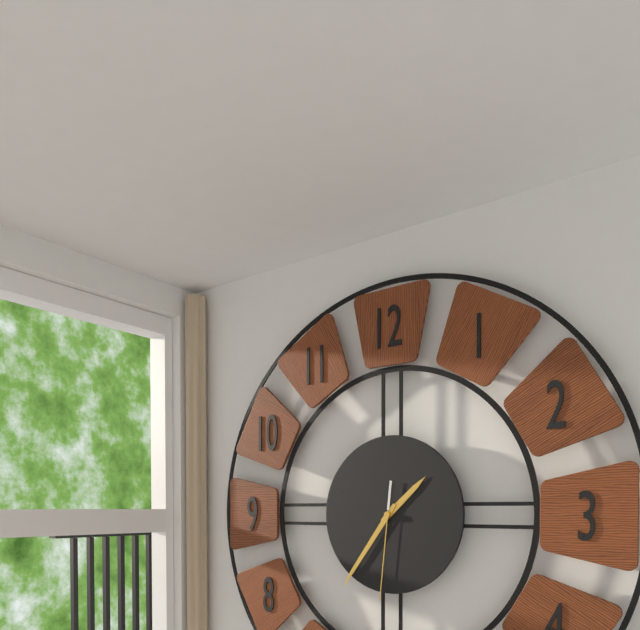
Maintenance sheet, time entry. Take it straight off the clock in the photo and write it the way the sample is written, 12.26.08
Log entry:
1.36.31
